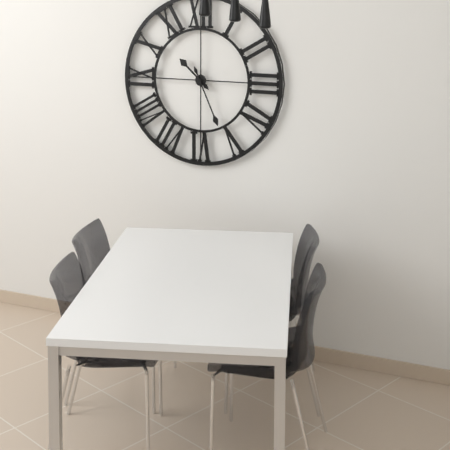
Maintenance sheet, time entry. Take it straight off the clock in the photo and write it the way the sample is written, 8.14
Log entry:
10.26
